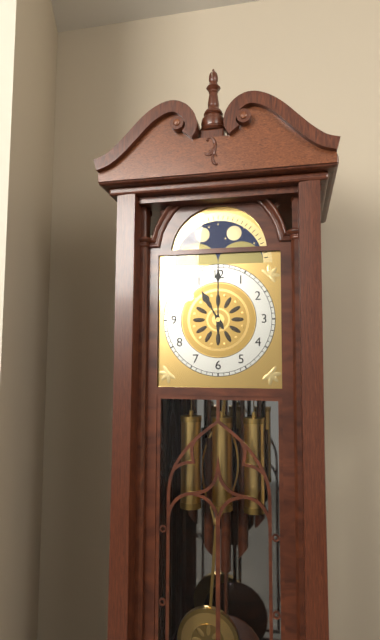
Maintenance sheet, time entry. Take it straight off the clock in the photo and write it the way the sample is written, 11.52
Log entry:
11.00
